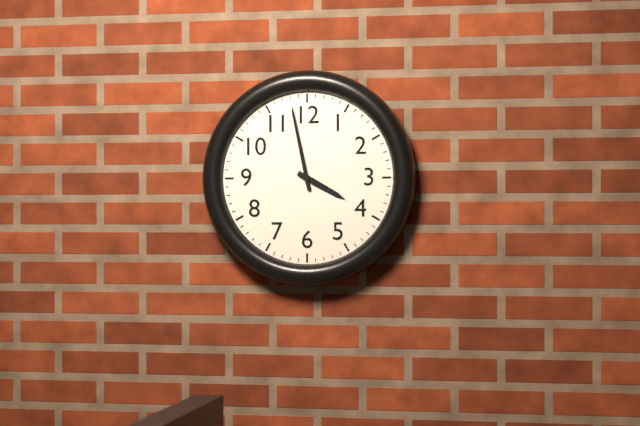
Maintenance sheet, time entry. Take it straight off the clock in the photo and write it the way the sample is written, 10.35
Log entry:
3.58
